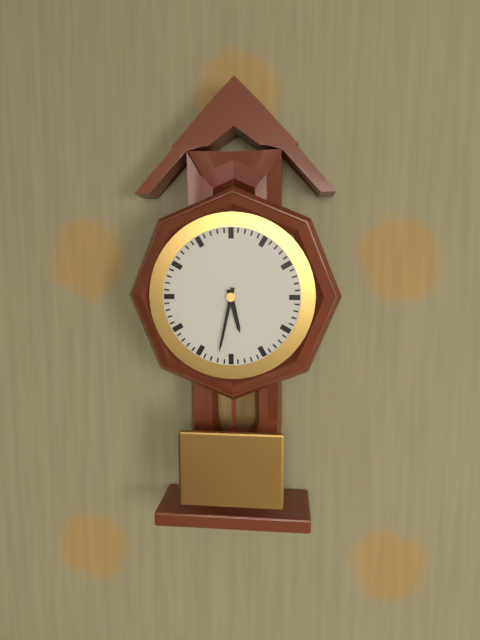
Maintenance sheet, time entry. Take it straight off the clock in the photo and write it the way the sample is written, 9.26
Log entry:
5.32
